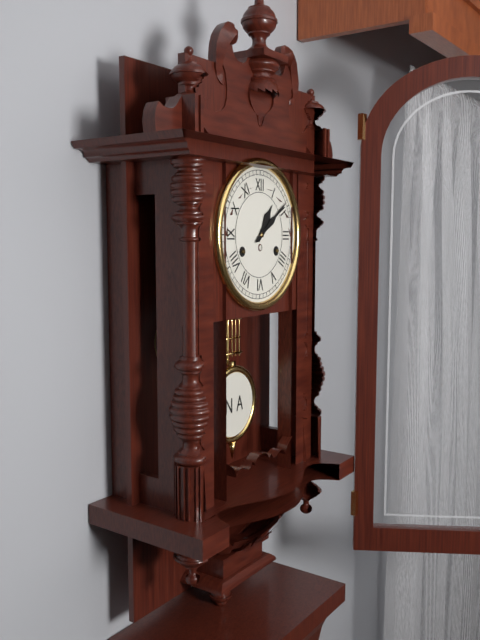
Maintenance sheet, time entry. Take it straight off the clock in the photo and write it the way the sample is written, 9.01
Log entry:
1.09
